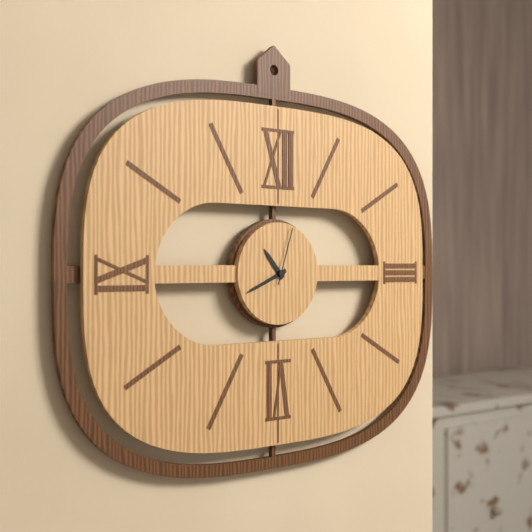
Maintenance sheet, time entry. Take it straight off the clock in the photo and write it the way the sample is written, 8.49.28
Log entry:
10.41.03
